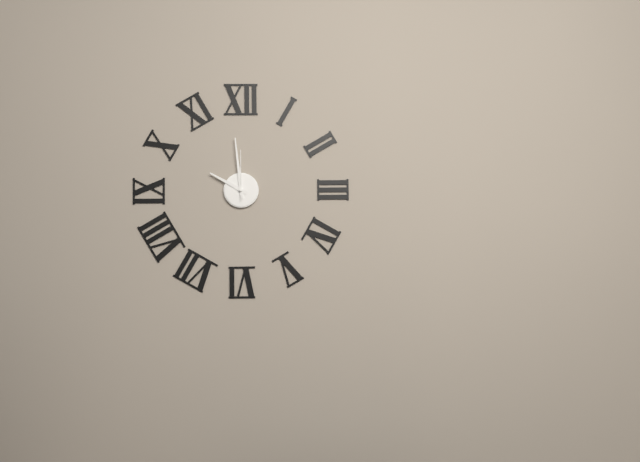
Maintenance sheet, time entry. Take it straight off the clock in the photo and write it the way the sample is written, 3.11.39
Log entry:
9.59.00
